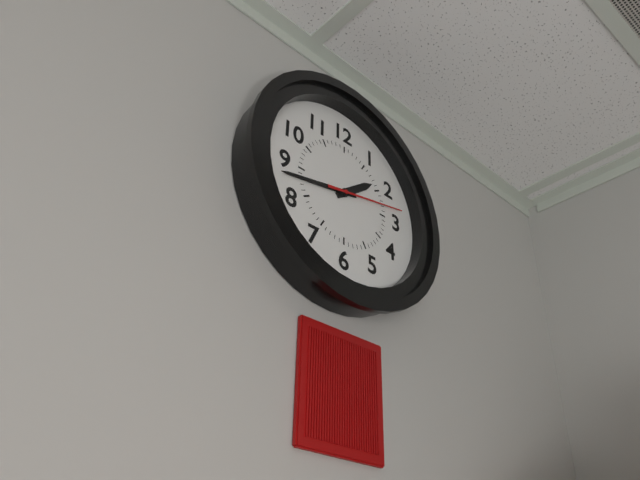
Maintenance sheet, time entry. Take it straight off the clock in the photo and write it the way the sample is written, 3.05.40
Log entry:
1.43.13
